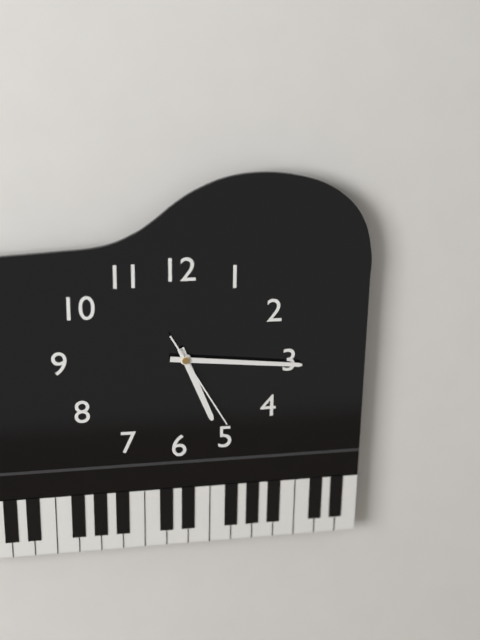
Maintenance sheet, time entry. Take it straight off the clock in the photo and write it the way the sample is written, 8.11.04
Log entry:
5.16.25
